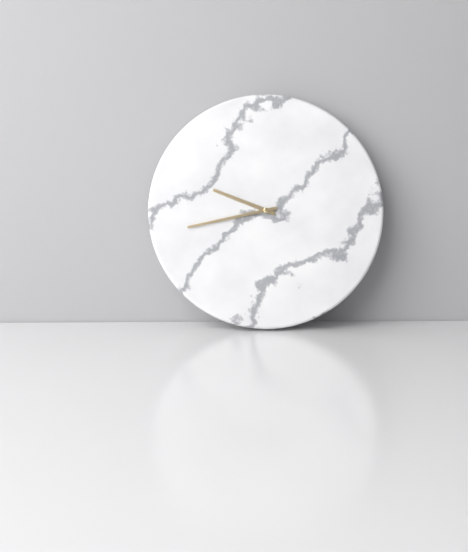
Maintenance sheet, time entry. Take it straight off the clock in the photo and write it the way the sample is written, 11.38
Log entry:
9.43
